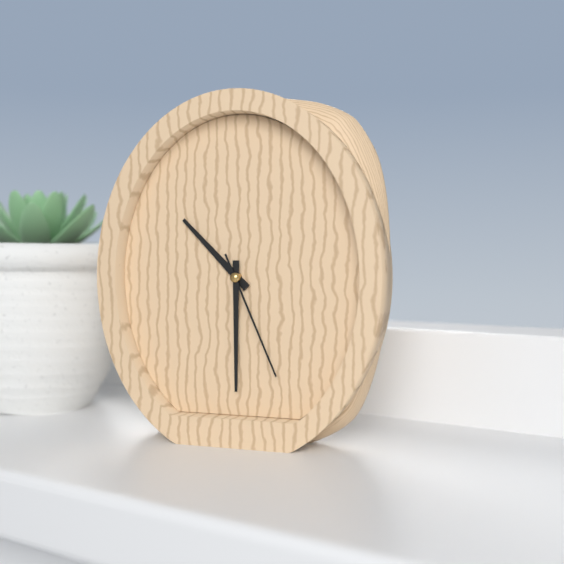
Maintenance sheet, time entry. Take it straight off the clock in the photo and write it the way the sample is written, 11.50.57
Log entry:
10.30.26
